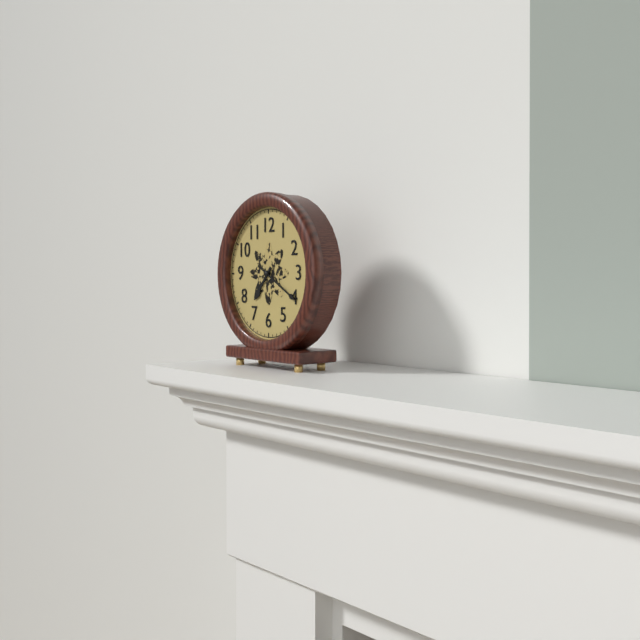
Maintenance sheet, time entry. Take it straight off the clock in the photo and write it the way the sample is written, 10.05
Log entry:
7.20
